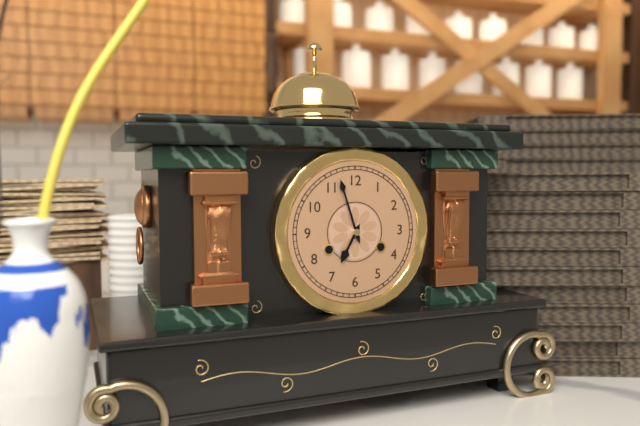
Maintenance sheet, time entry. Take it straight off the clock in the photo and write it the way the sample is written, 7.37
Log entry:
6.57
